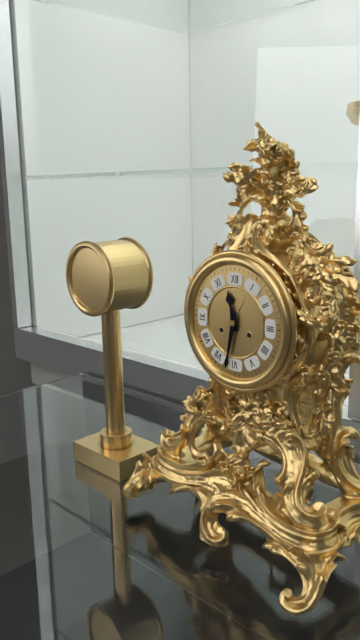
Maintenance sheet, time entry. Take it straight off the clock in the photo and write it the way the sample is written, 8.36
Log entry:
11.32
